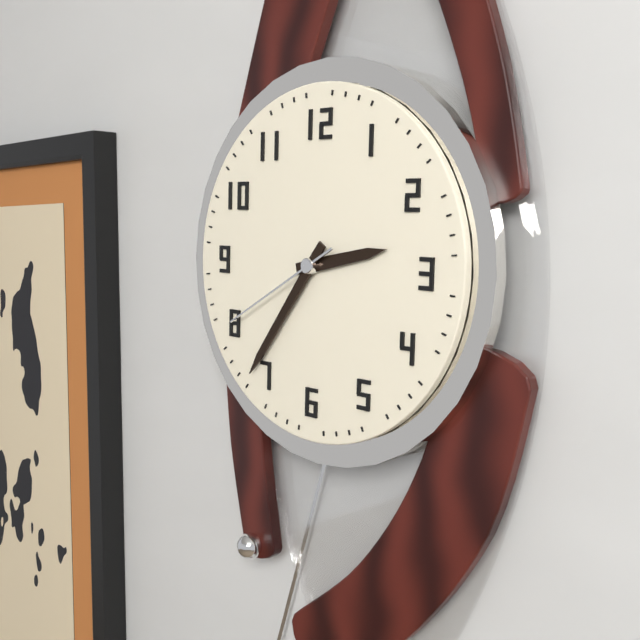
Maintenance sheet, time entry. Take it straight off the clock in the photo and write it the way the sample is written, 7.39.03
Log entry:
2.36.40
